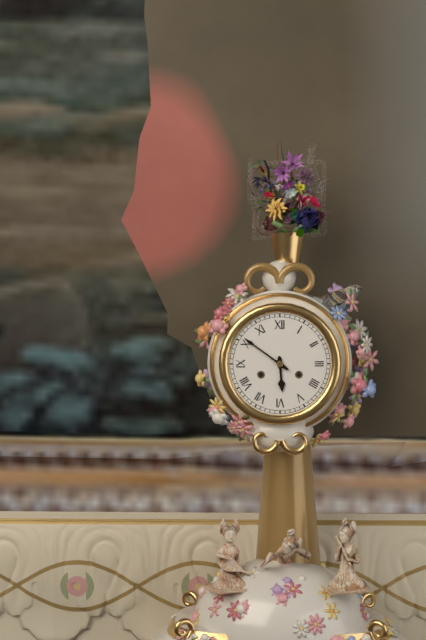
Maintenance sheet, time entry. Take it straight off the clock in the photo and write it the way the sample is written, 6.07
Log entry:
5.51
